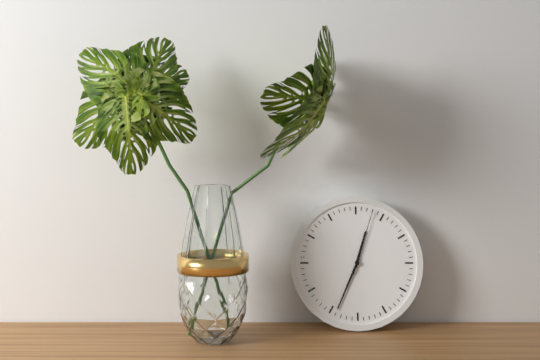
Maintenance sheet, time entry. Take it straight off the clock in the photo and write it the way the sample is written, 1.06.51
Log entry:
12.34.03
